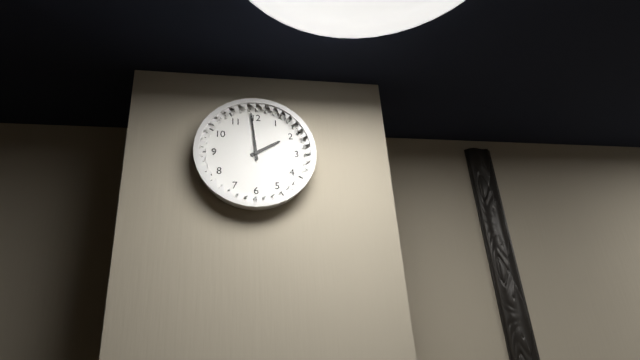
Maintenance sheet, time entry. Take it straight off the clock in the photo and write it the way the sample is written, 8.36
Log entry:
1.59
